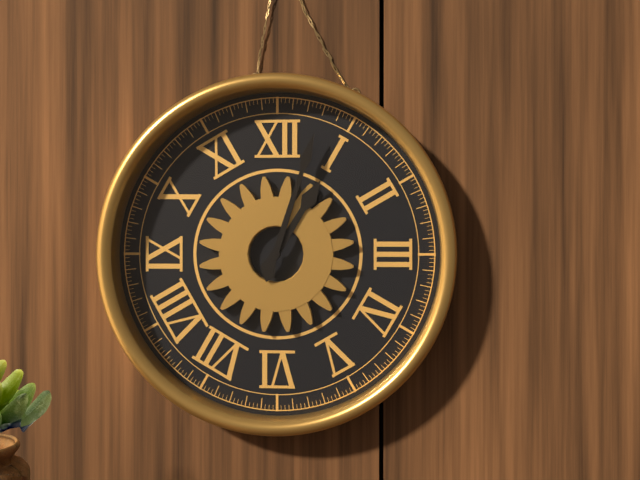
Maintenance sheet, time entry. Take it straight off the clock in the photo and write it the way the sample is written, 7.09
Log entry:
1.03
